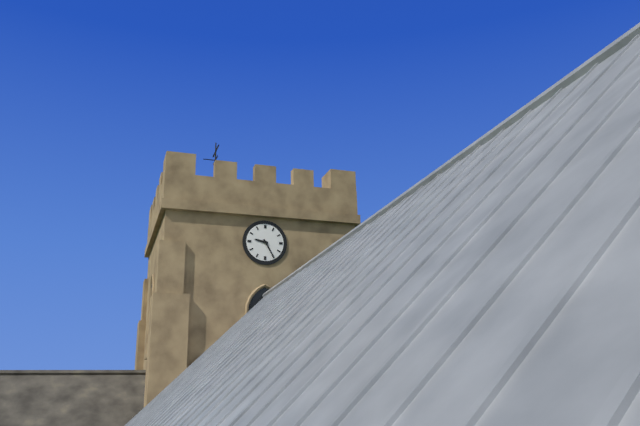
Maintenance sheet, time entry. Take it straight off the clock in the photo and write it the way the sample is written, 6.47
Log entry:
9.25
